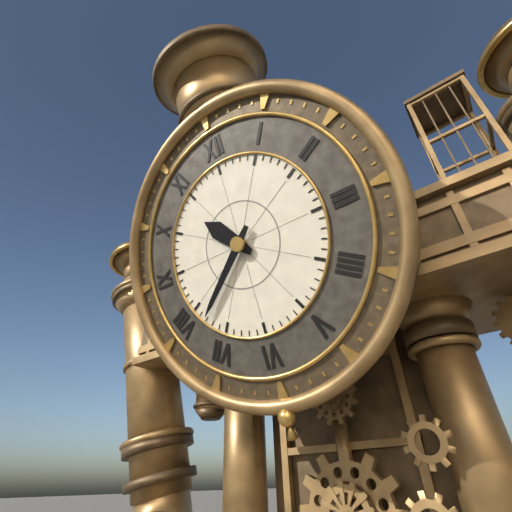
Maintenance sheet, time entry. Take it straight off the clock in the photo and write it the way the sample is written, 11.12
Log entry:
10.38
